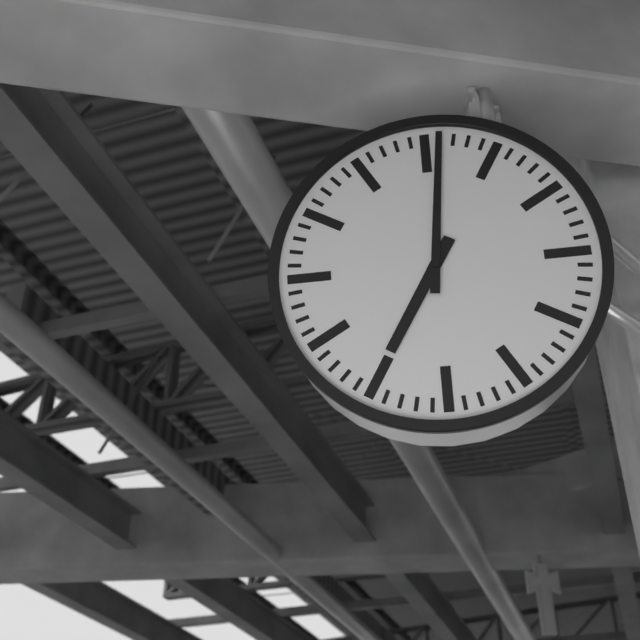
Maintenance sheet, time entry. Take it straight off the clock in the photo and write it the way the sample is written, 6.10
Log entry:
7.01
